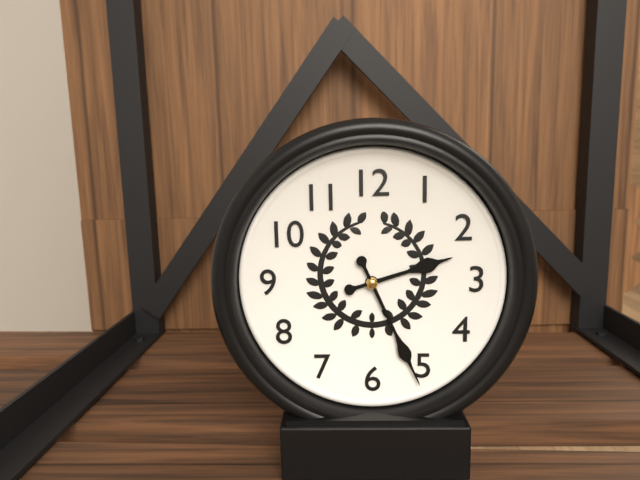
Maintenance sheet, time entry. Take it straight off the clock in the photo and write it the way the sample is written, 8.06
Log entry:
2.26
